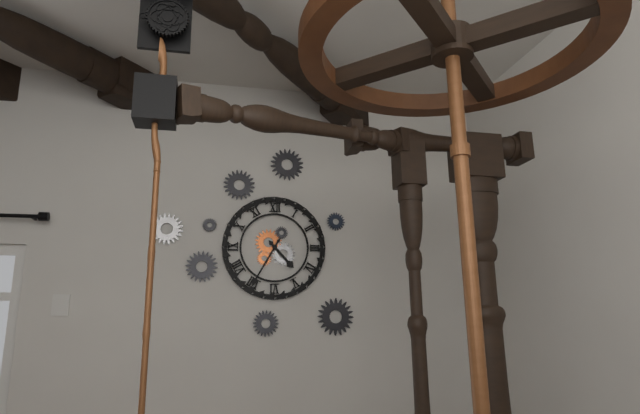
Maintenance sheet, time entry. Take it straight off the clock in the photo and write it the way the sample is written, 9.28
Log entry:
4.35
